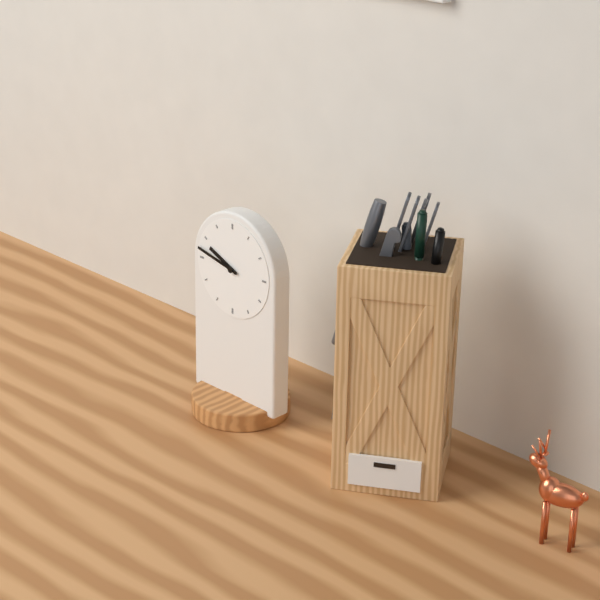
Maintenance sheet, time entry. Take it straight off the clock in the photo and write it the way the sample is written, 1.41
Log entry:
9.47
